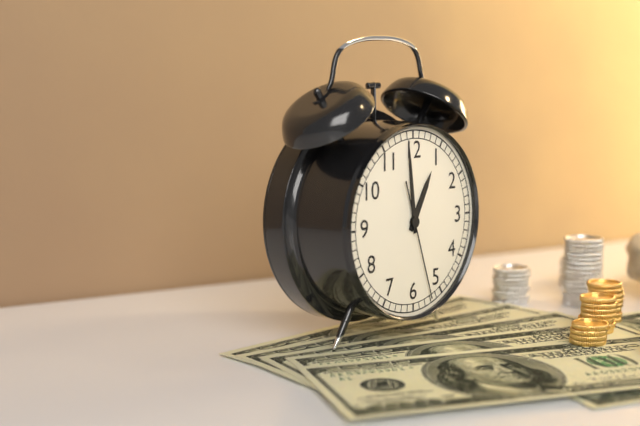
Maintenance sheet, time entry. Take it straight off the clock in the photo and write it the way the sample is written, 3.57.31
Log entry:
12.59.27
